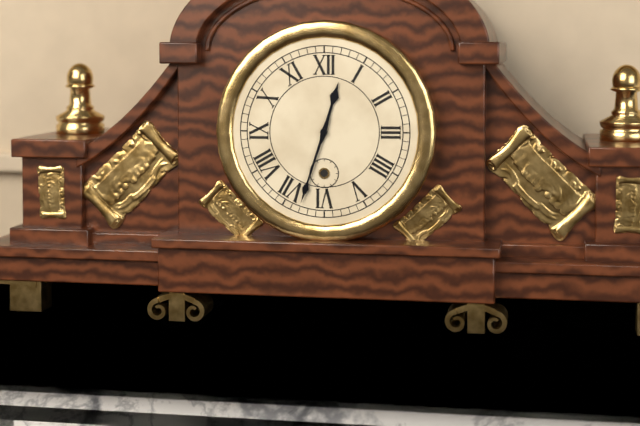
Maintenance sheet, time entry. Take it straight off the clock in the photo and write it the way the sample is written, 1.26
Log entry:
12.33
